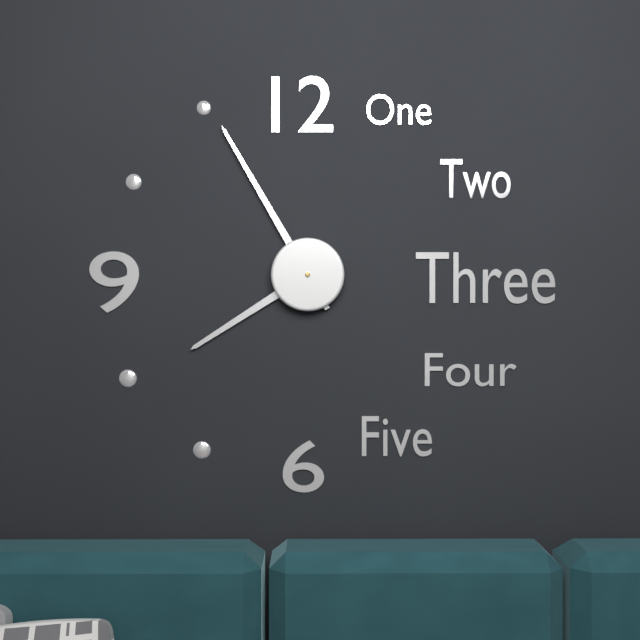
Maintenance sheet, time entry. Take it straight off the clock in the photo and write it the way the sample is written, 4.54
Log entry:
7.55
